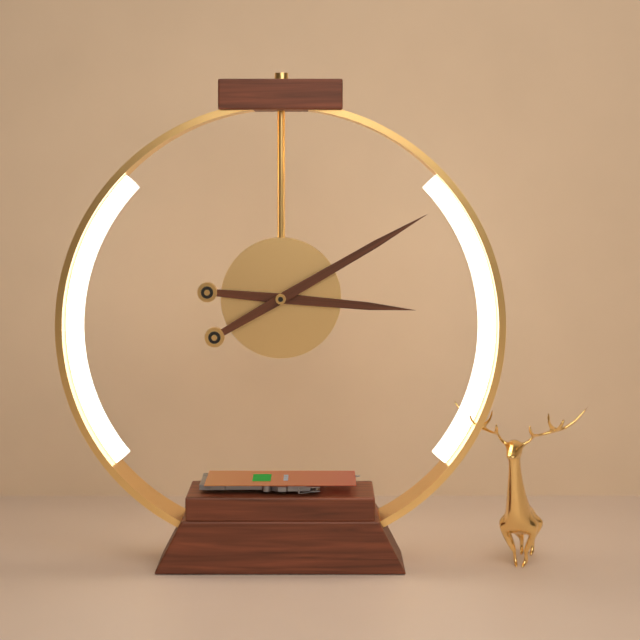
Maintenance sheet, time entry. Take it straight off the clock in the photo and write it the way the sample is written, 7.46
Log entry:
3.10
